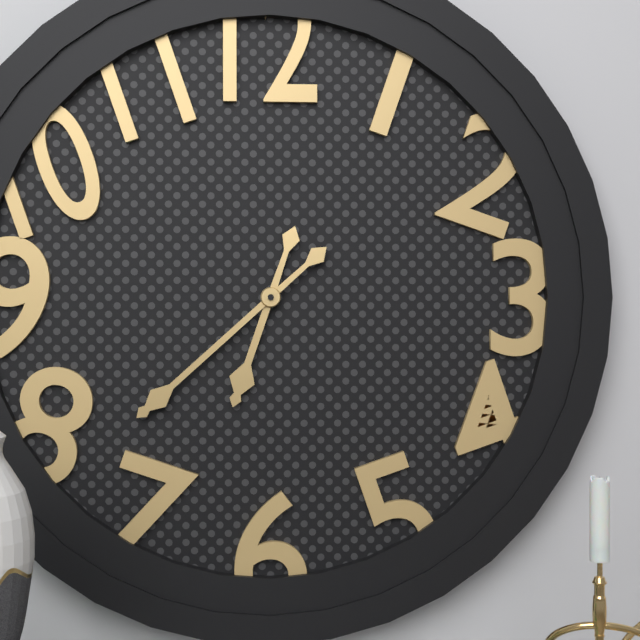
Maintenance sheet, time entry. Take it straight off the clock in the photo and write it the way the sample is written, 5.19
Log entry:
6.38
